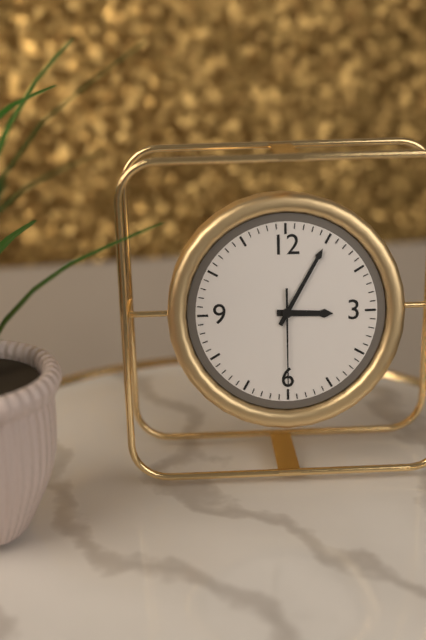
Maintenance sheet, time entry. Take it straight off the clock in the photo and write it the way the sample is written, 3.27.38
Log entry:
3.05.30
